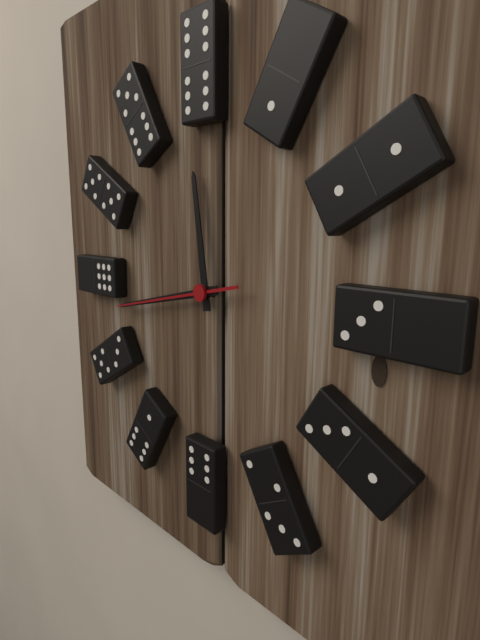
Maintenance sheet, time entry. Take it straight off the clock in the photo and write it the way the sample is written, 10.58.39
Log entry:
11.43.43
